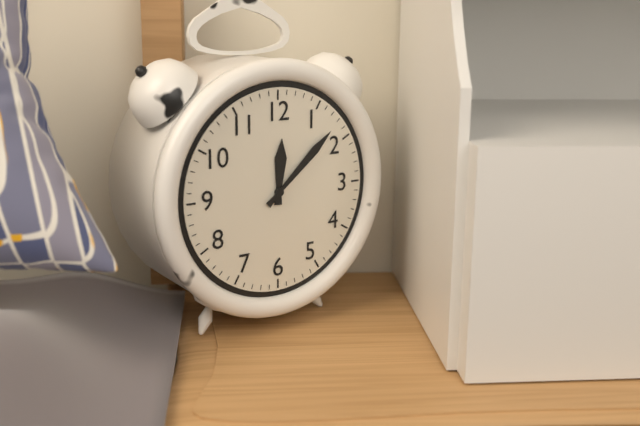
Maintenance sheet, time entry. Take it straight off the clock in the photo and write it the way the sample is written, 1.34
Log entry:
12.08
